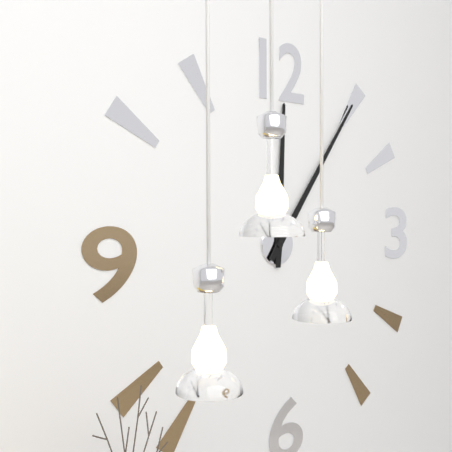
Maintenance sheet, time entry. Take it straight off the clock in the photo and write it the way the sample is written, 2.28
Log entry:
12.06
